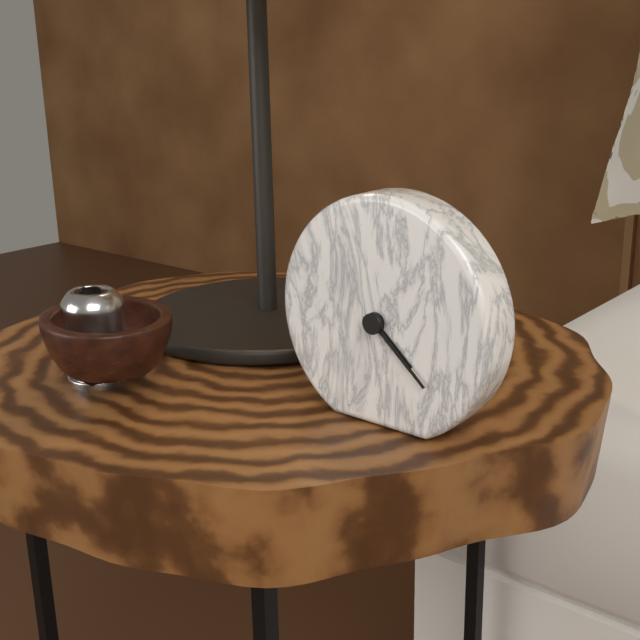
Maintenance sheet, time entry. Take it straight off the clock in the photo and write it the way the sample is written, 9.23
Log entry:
4.22
